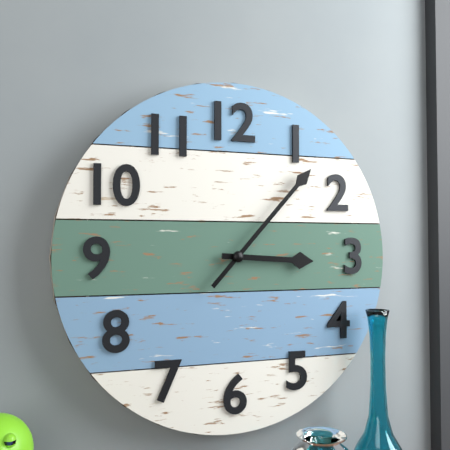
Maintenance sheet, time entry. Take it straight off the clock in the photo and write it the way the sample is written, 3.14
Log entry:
3.07
